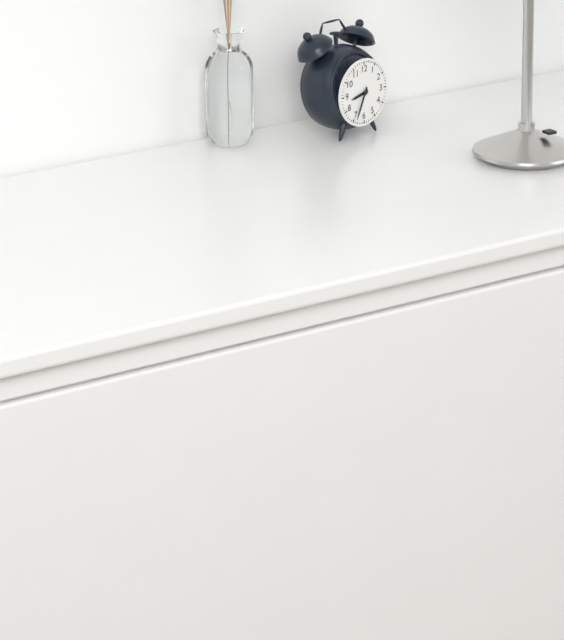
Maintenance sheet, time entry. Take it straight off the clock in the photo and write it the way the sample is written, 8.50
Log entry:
8.34
